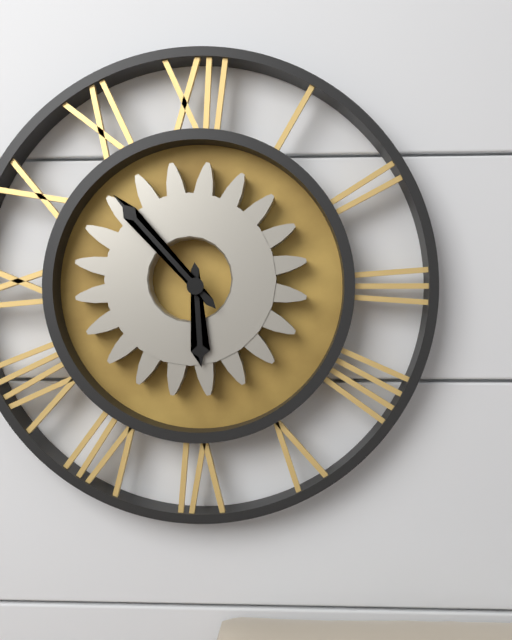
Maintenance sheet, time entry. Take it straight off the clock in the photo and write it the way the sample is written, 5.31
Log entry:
5.53
